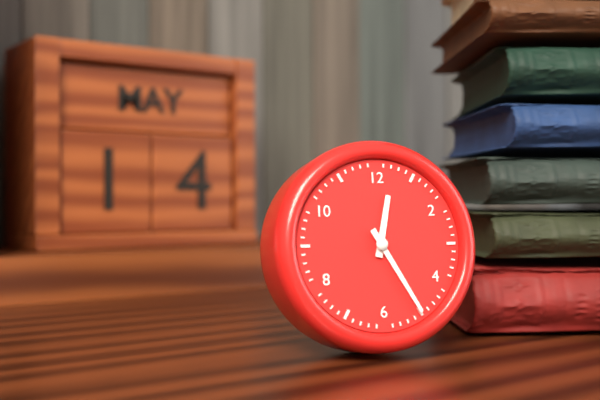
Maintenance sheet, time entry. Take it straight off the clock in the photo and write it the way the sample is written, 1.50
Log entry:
12.25
